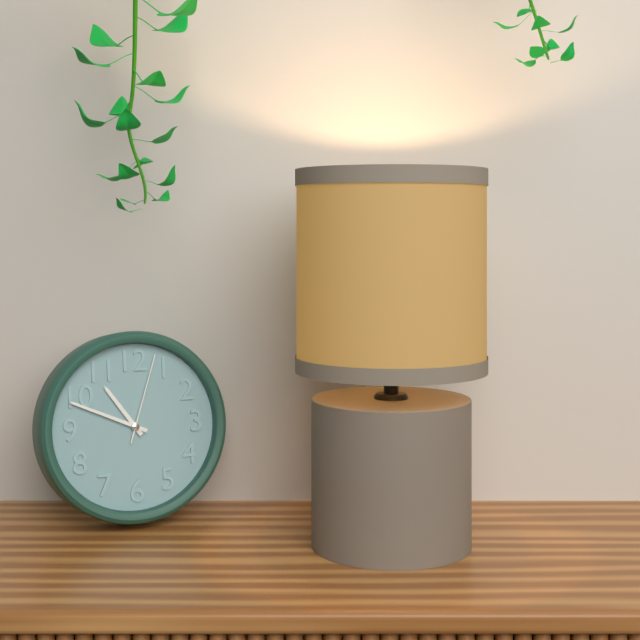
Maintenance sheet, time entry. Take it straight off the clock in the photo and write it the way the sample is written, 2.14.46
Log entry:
10.49.03
